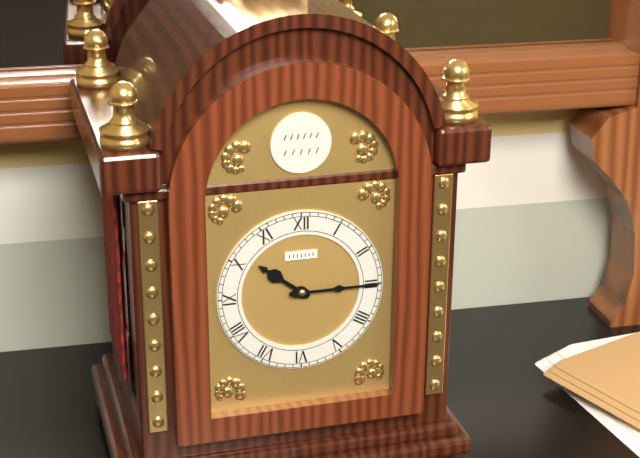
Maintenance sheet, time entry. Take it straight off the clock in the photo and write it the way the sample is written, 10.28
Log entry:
10.15
